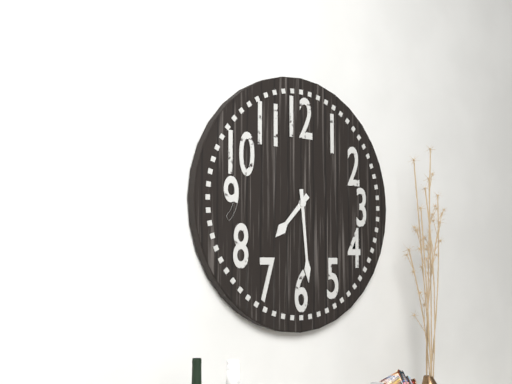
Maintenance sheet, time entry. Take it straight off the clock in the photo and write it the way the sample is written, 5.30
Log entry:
7.29
